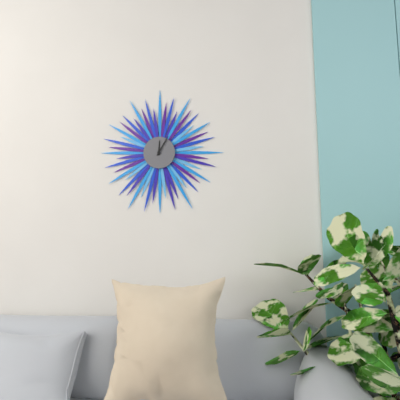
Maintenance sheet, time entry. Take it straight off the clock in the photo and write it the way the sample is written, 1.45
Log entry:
12.05
